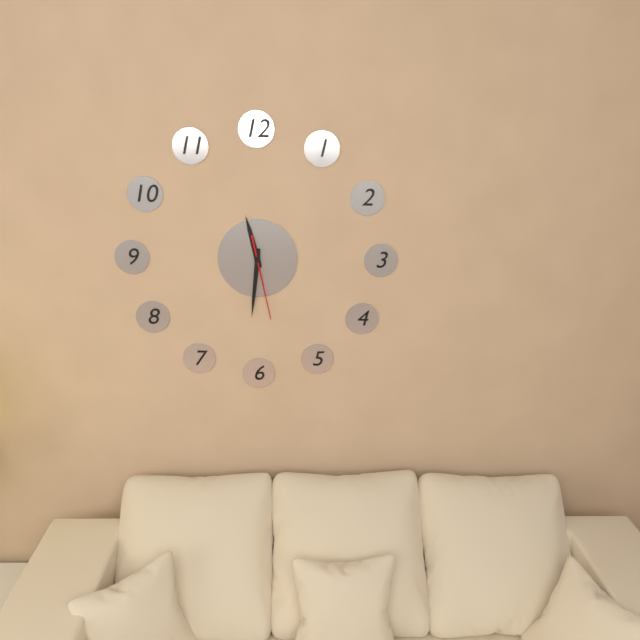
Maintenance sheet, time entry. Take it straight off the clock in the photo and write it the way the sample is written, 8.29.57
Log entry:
11.31.28
